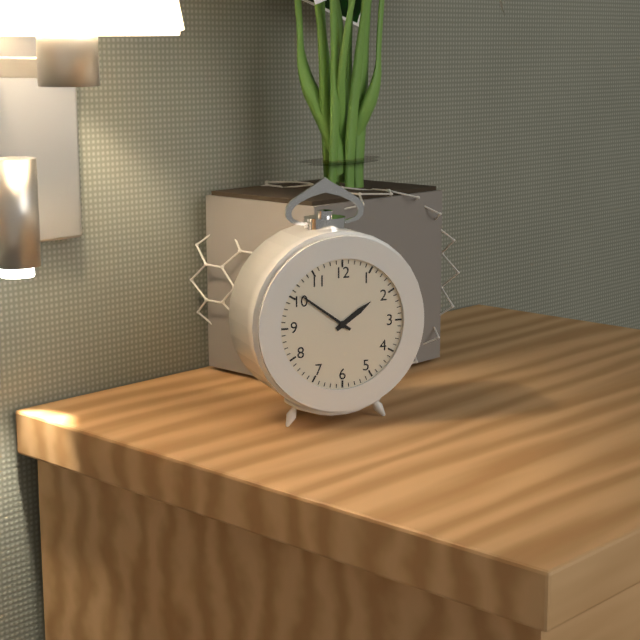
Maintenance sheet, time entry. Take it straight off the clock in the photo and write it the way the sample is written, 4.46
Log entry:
1.51
